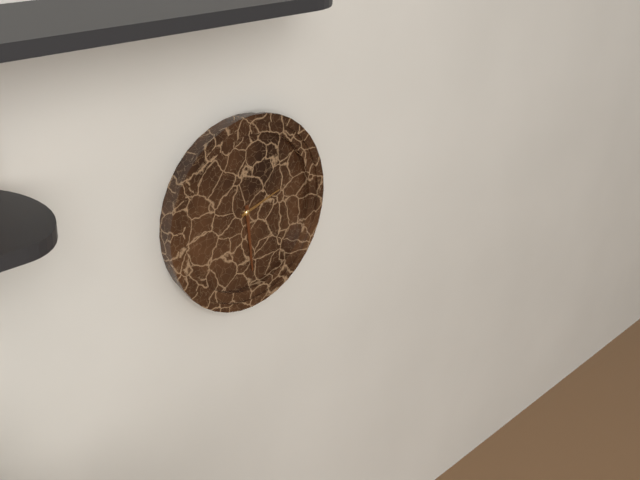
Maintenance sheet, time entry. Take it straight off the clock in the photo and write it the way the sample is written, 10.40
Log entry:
2.29
